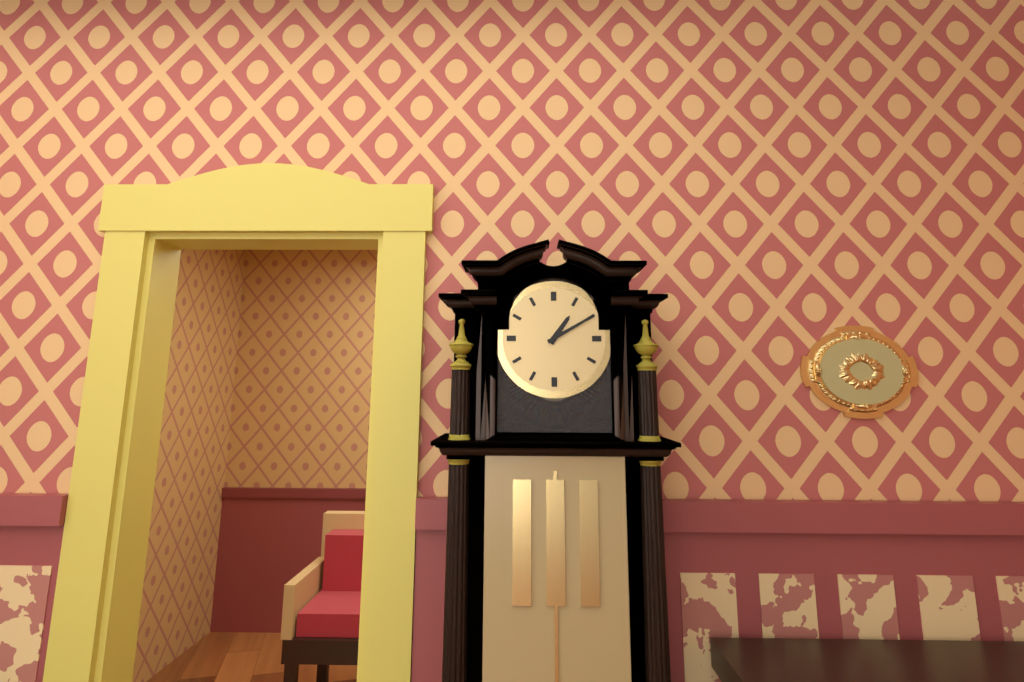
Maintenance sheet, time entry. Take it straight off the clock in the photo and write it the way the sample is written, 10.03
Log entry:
1.10
